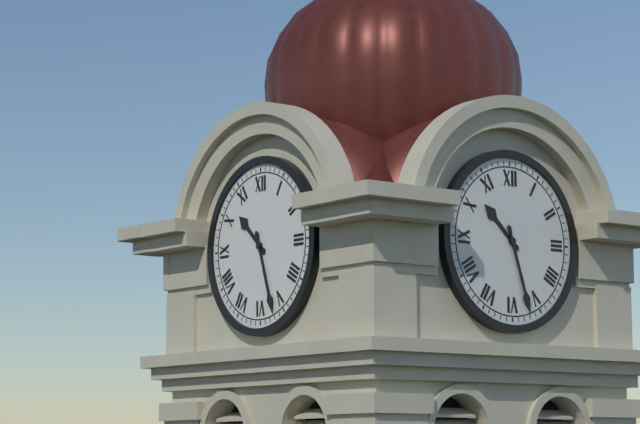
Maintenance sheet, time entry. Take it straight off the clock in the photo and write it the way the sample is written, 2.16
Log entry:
10.27
